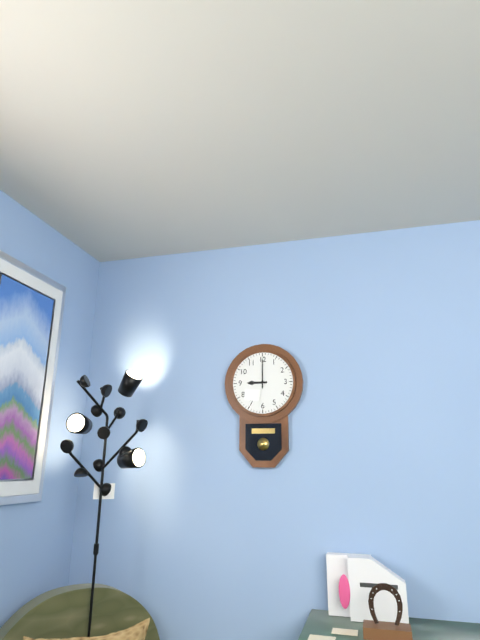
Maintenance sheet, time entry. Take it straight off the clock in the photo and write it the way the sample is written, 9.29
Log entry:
9.00
